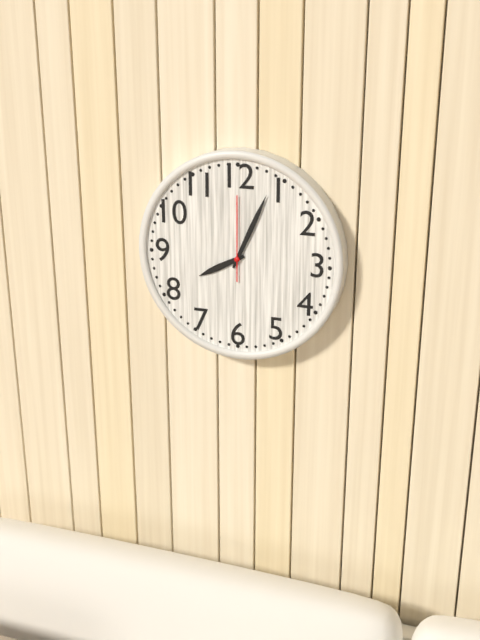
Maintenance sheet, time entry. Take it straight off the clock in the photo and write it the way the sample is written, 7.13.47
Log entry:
8.04.00
